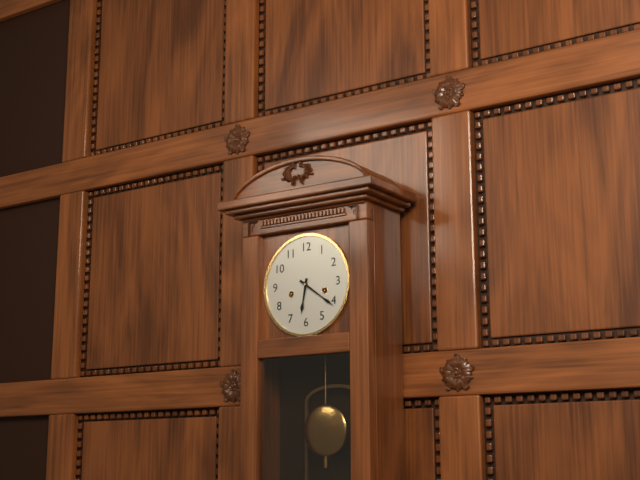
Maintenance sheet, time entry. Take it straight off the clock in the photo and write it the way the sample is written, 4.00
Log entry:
6.21
